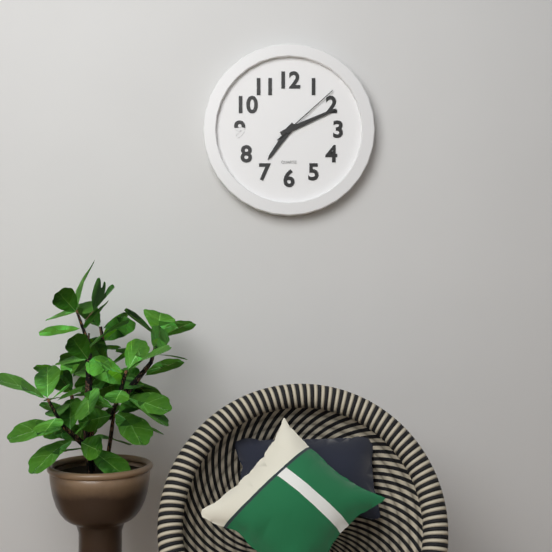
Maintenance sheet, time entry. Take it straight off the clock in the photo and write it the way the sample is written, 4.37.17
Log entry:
7.11.08
